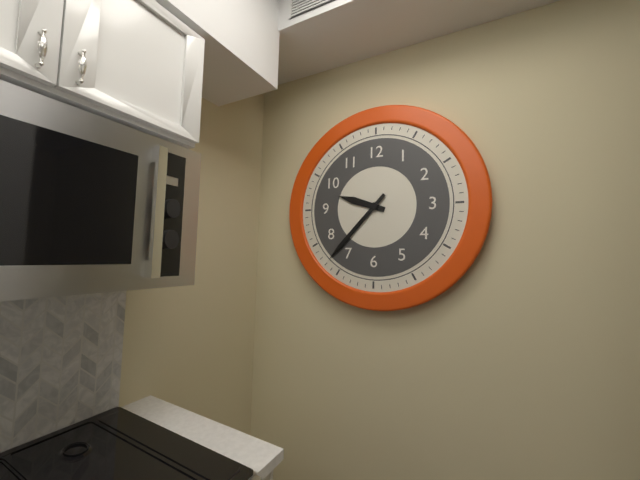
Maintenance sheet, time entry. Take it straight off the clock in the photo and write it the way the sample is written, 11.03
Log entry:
9.37
